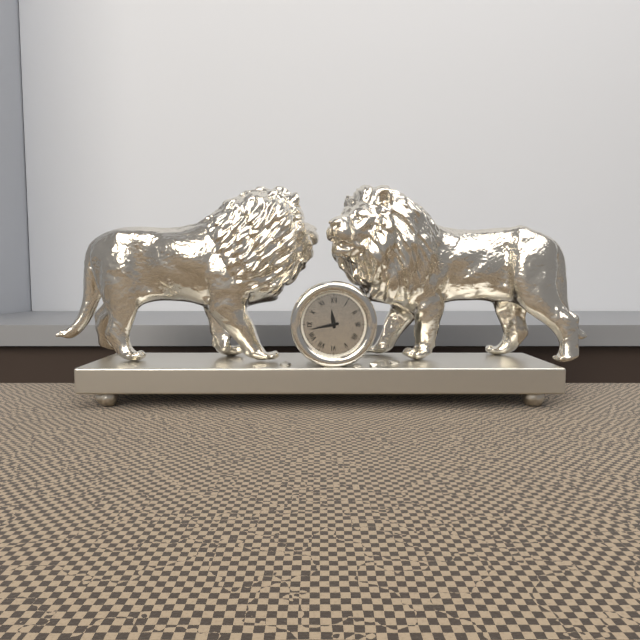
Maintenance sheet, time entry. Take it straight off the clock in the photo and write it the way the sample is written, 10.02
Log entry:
11.43
